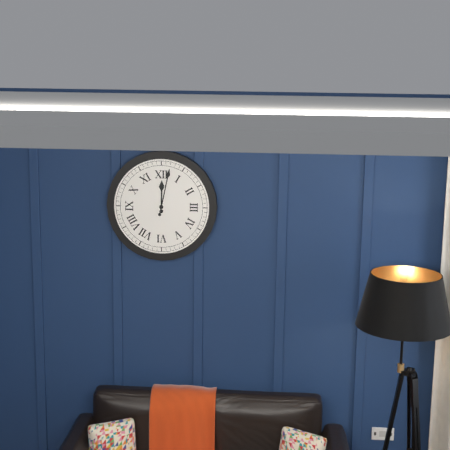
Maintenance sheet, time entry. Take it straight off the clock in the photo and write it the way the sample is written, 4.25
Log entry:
12.02
